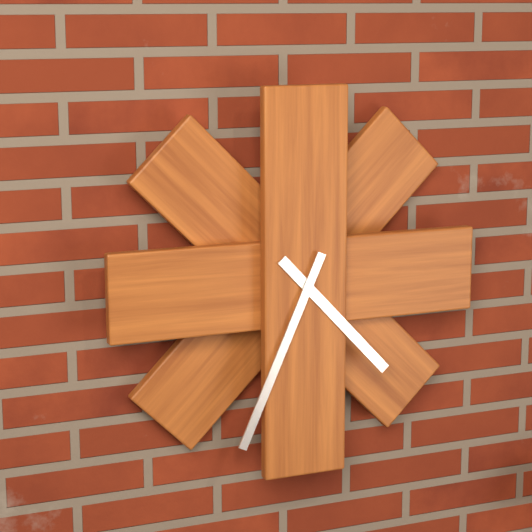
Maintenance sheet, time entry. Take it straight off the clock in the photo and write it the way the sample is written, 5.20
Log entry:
4.34
